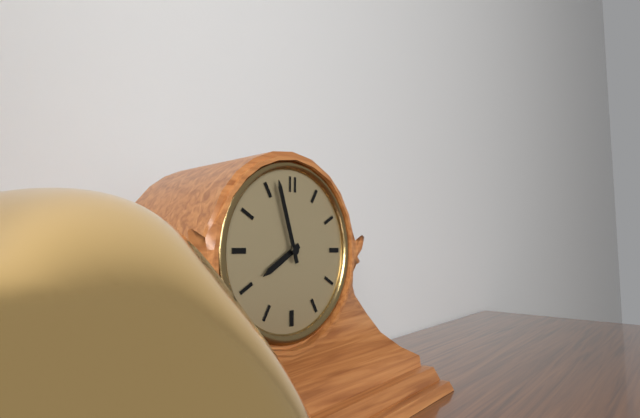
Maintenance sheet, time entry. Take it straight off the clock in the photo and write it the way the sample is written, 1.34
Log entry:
7.57
